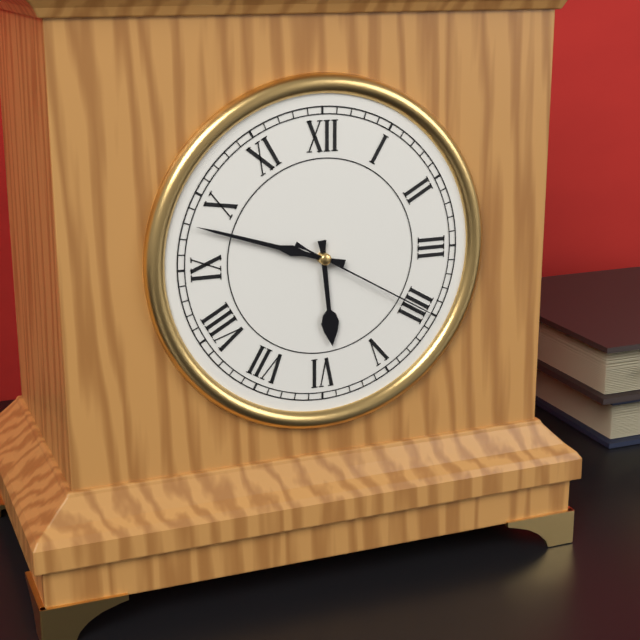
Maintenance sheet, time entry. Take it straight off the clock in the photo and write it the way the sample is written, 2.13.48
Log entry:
5.48.20
